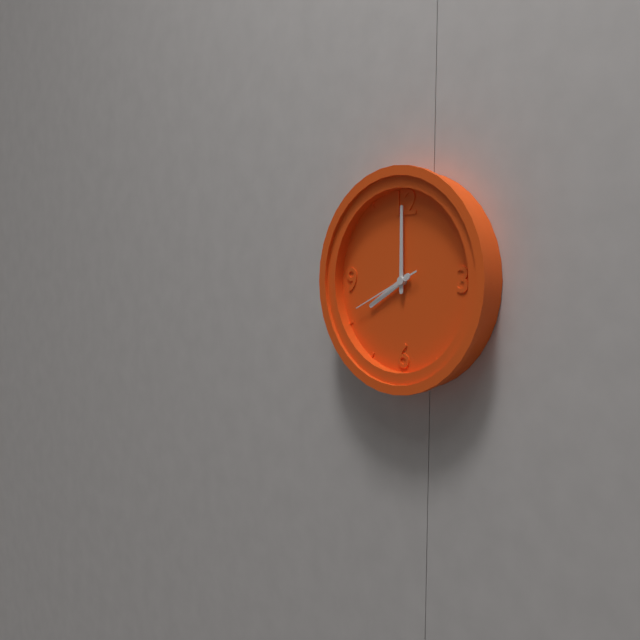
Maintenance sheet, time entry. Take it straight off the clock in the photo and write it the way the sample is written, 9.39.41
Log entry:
8.00.41
